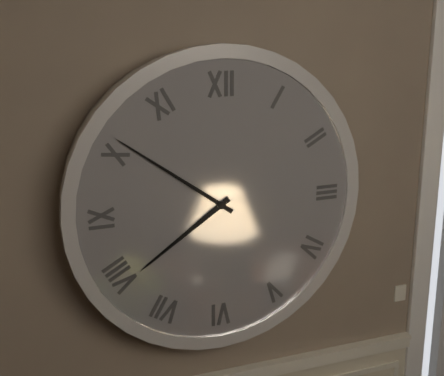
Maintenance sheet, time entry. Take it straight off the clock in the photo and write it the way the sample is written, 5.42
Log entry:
7.51
